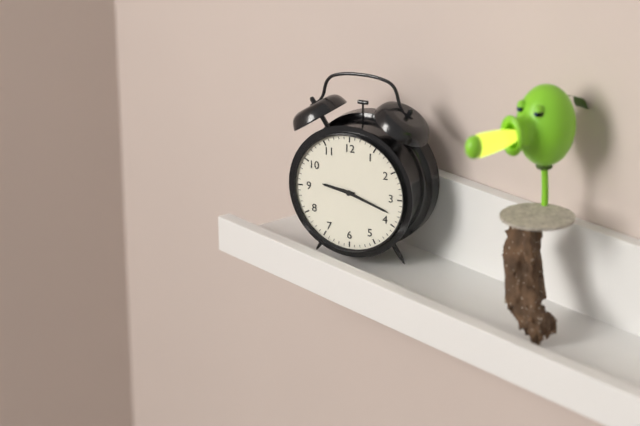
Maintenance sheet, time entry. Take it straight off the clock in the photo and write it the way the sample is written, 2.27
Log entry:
9.18
